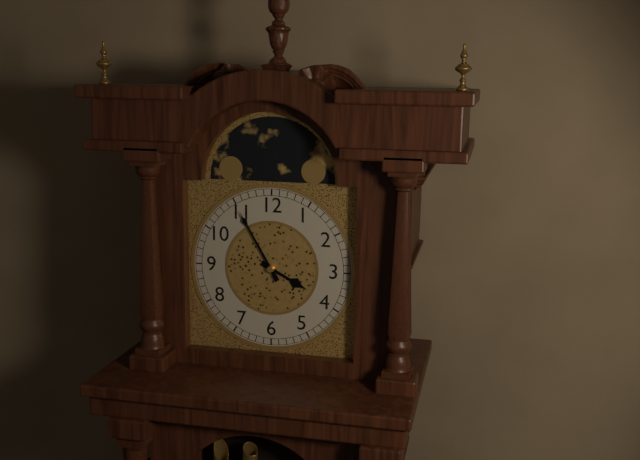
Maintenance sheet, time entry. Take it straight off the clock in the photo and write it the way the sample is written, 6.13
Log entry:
3.55
